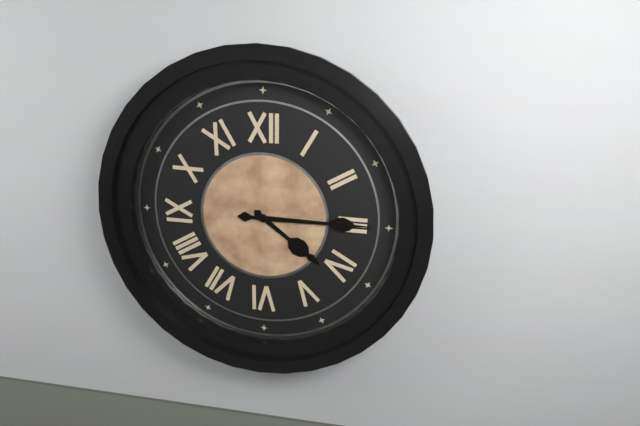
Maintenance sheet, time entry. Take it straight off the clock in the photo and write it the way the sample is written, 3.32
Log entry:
4.15
